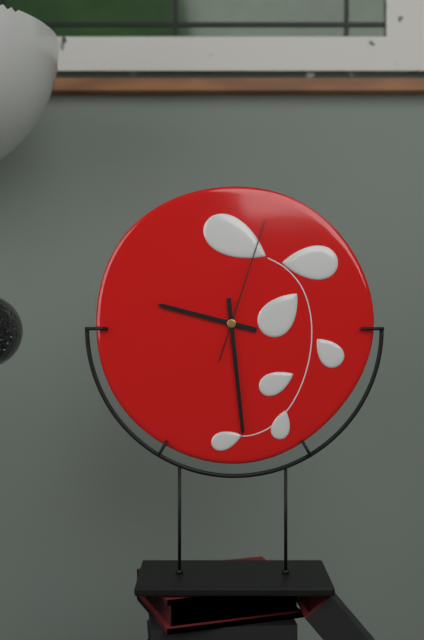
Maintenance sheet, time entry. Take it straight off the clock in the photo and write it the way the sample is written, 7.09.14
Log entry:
9.29.03
